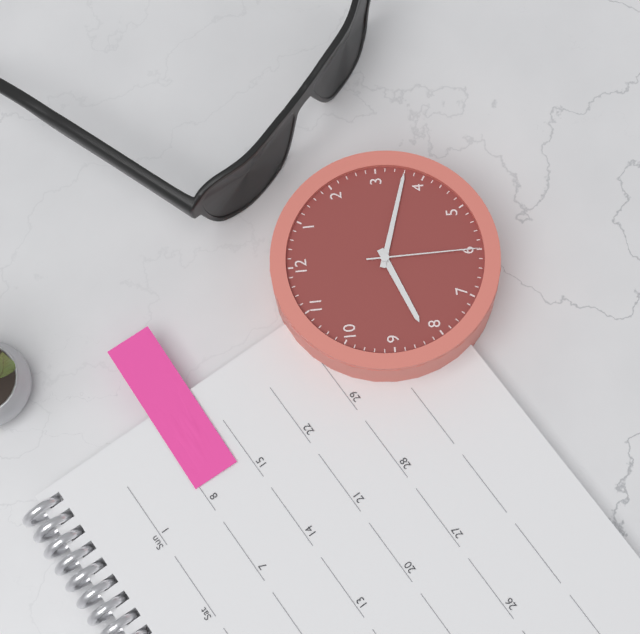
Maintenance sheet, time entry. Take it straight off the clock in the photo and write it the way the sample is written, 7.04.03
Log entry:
8.18.30
